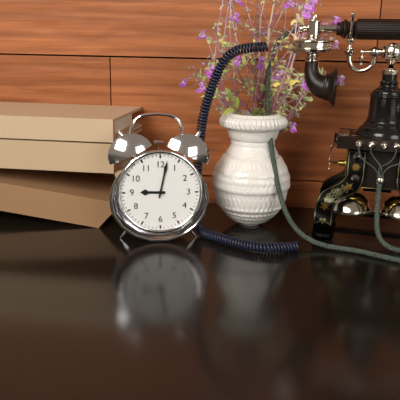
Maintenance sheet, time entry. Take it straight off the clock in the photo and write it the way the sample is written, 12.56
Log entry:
9.02
